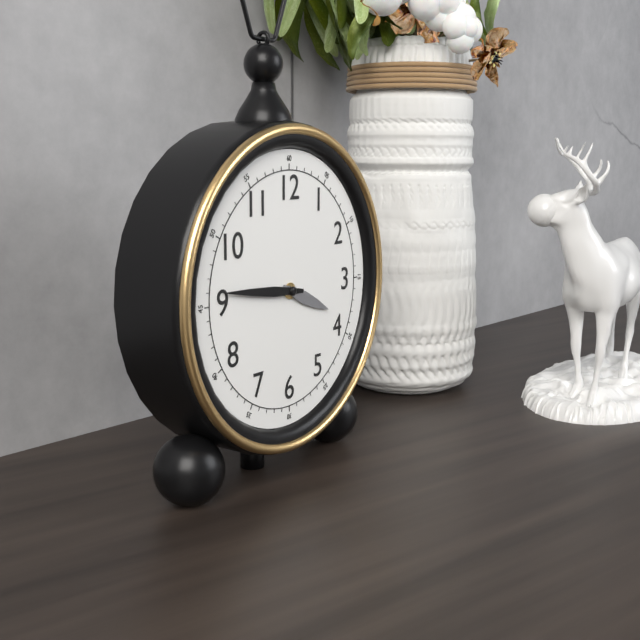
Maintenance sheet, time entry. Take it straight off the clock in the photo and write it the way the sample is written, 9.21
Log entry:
3.46
